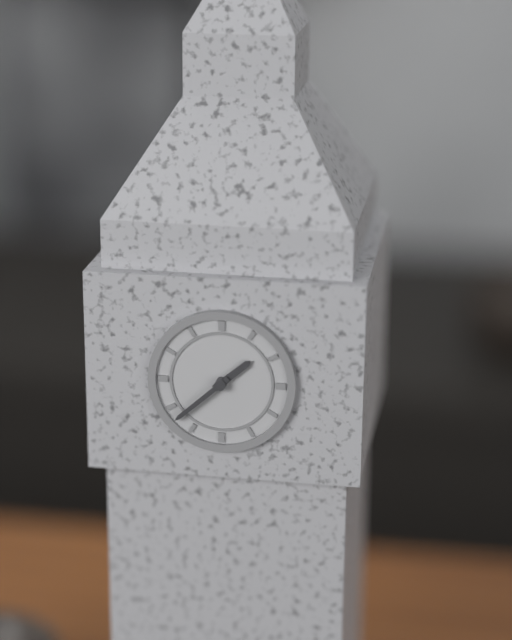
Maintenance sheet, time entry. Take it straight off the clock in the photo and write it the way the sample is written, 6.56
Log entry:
1.38
